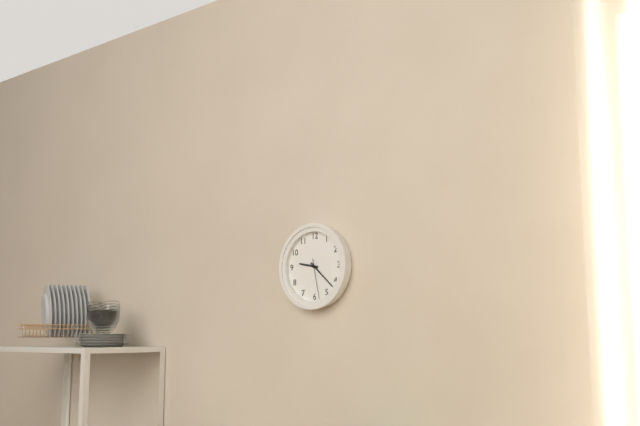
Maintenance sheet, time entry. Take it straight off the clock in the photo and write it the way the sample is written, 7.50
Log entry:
9.22
